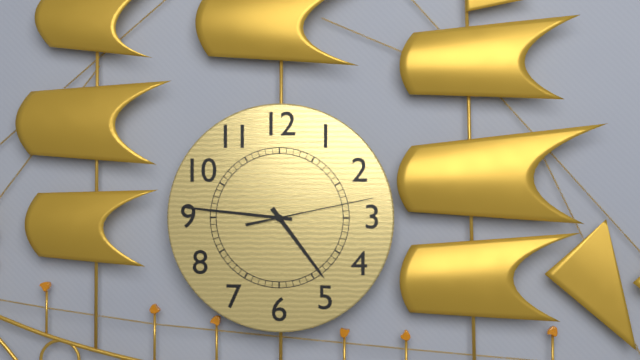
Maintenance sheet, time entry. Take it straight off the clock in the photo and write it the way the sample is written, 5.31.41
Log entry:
4.46.13
